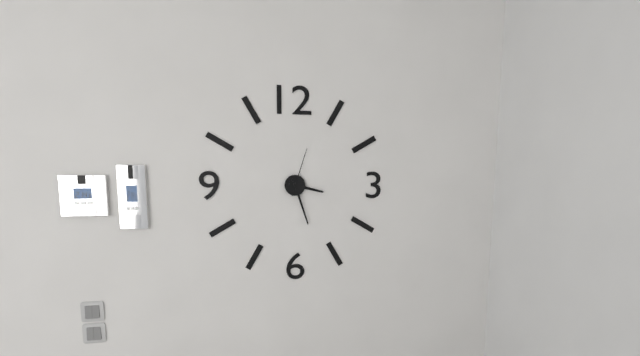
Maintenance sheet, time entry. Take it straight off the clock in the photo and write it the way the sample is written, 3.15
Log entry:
3.27
